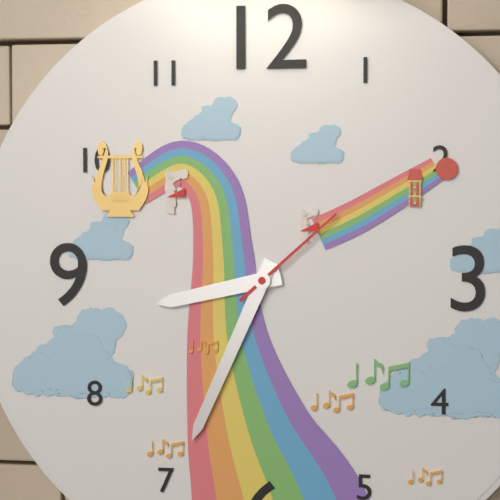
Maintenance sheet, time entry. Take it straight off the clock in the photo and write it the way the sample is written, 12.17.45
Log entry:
8.34.08
